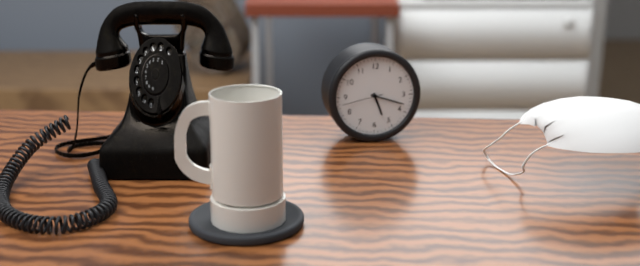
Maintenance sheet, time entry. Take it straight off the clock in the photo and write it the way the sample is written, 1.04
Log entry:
5.18
